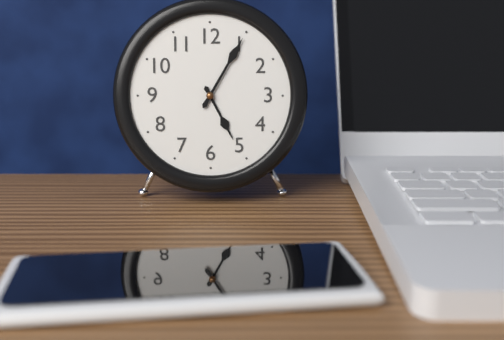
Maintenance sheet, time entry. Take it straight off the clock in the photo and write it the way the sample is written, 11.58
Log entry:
5.05
